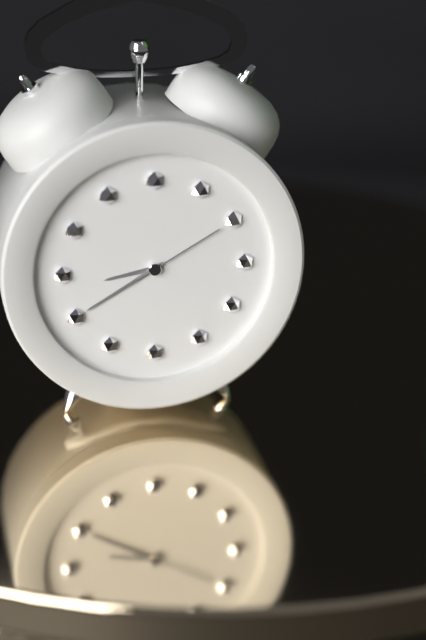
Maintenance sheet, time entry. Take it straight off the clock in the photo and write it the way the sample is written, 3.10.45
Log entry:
8.40.10
